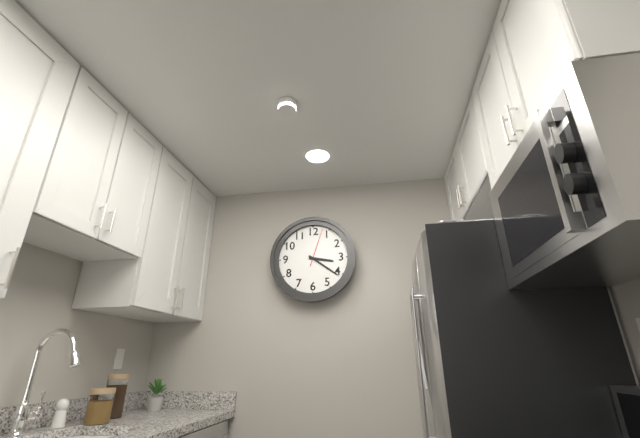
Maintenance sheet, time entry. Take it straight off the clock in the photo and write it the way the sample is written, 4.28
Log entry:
3.21
